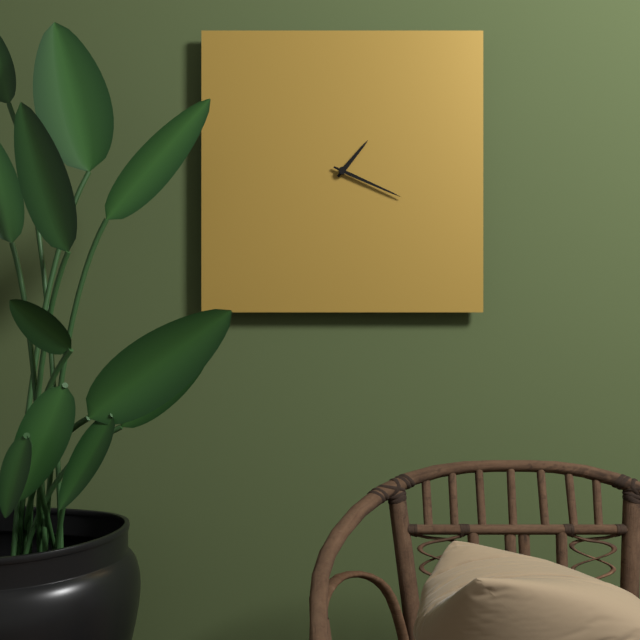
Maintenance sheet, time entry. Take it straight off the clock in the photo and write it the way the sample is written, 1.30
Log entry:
1.19
